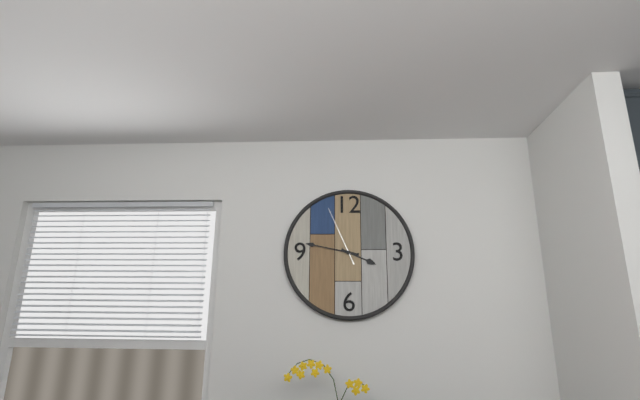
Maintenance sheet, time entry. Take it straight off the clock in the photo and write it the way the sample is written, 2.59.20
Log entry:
3.47.56
